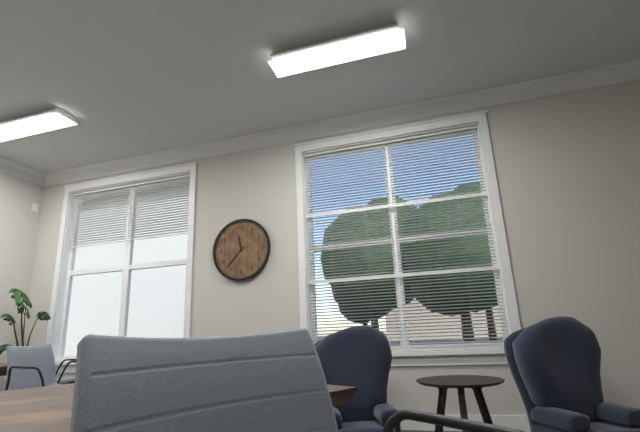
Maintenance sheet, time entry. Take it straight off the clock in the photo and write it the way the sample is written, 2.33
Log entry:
11.37
